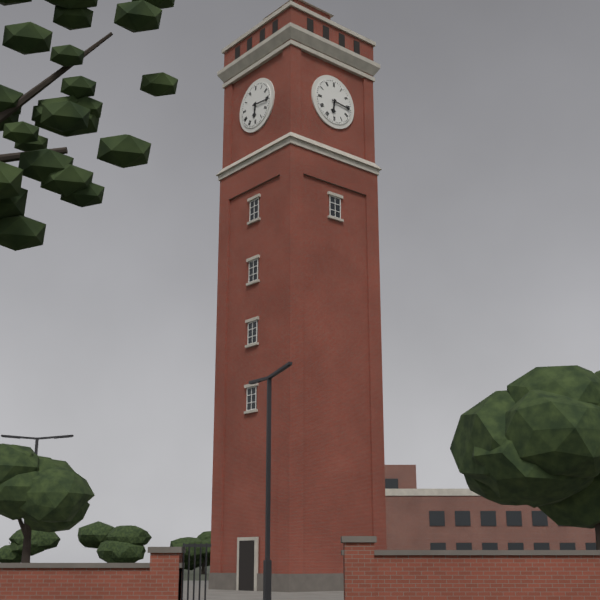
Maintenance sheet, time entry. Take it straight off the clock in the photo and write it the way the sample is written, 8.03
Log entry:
6.16
